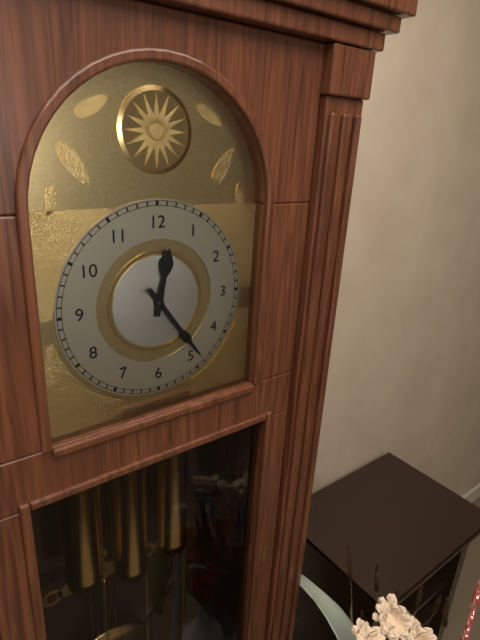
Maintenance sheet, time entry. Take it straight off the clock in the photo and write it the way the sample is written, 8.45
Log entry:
12.24
